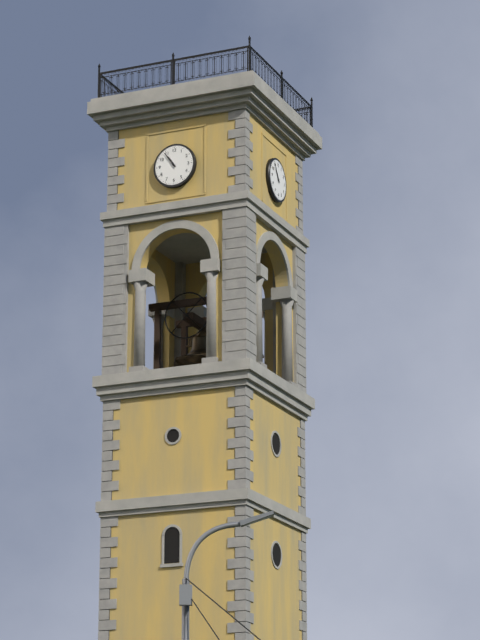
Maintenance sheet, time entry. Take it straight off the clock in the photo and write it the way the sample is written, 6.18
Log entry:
10.54
